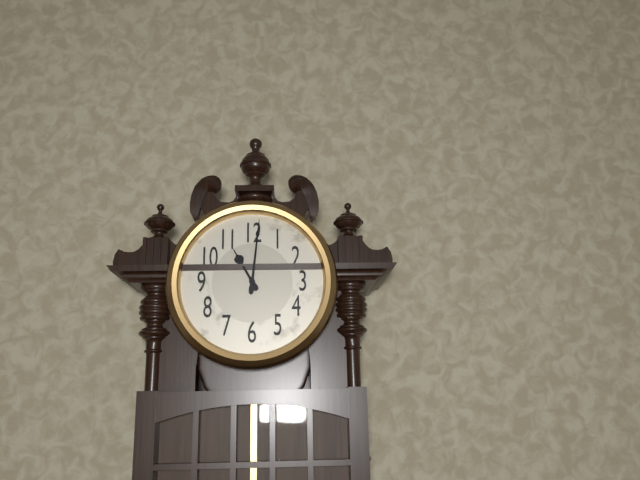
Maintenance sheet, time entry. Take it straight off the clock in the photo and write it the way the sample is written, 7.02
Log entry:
11.01
